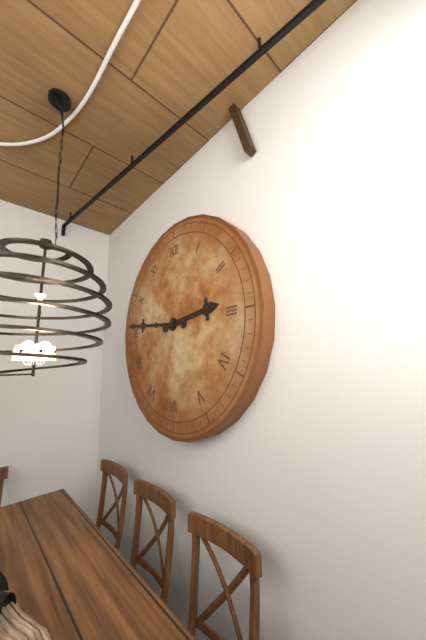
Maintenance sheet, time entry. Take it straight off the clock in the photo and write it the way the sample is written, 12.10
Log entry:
2.46
